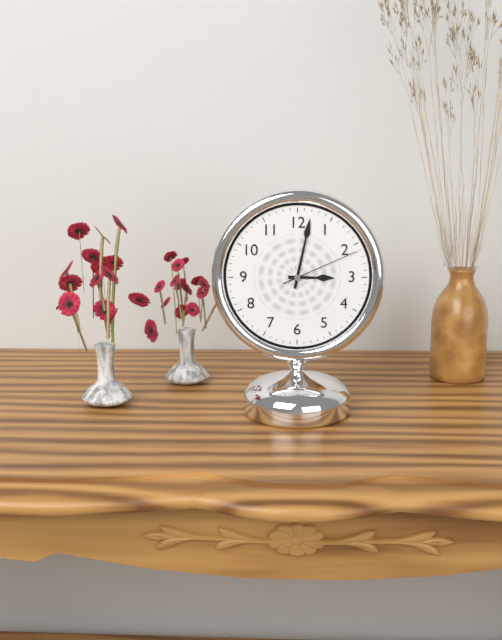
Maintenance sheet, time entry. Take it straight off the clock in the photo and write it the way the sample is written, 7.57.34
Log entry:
3.02.11
